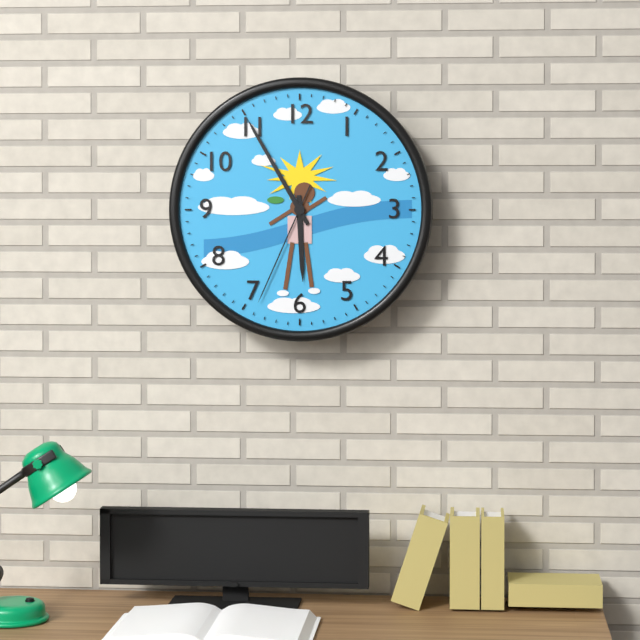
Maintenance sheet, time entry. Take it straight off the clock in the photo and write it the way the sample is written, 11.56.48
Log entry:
5.55.34
